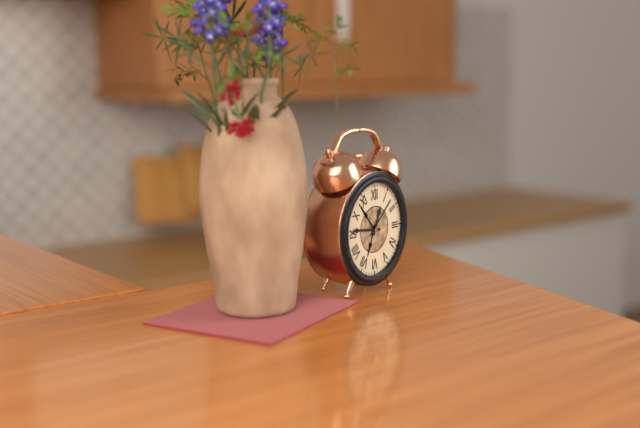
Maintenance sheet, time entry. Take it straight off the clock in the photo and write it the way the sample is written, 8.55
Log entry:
12.46
